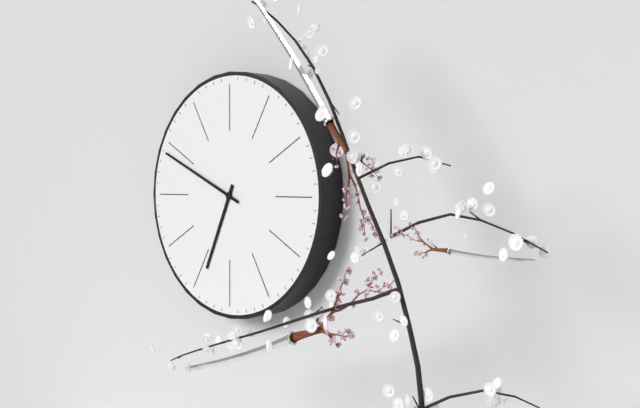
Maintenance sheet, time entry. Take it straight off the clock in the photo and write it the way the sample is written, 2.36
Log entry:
6.49
